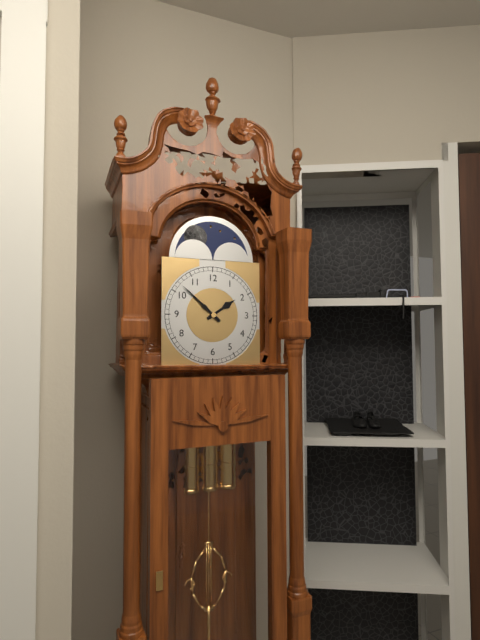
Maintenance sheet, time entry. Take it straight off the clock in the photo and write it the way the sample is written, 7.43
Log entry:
1.52
